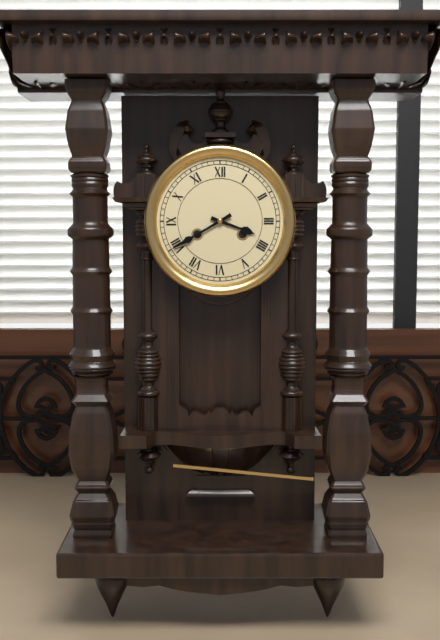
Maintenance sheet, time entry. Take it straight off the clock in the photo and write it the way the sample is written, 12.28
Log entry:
3.40
